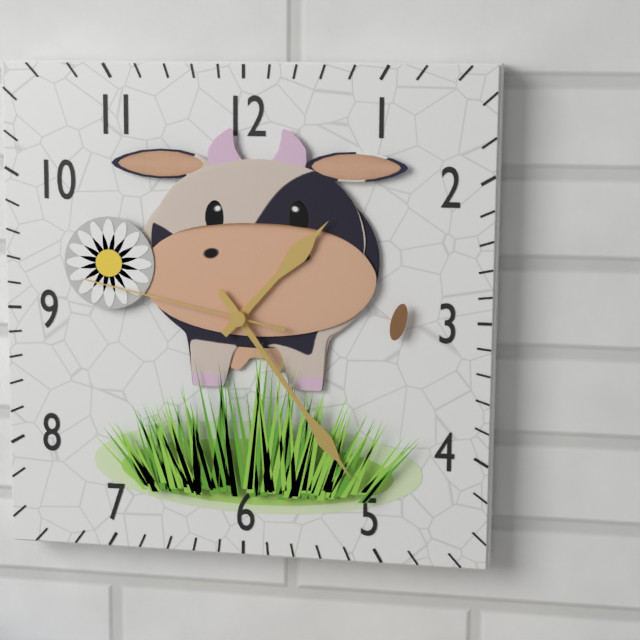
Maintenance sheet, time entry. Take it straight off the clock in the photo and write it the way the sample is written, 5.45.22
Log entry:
1.24.47
